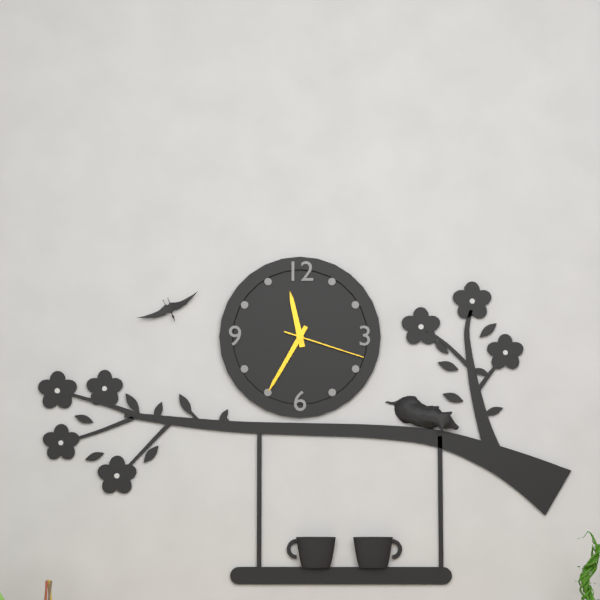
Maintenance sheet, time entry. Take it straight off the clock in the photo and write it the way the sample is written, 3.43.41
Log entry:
11.35.18
